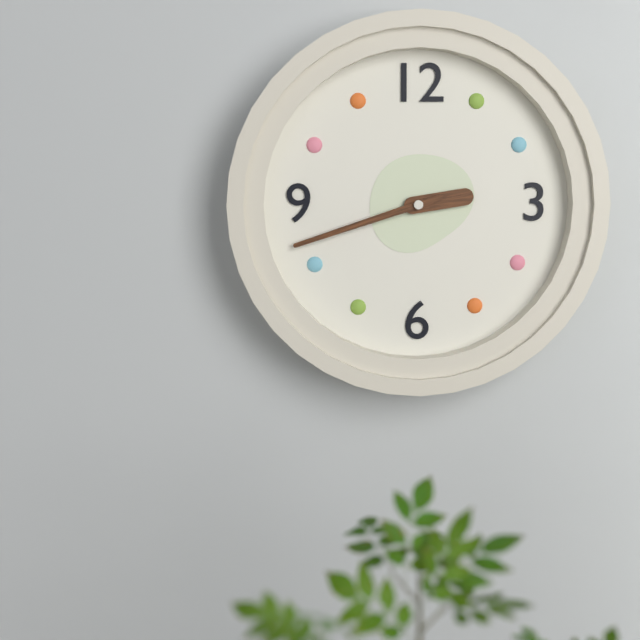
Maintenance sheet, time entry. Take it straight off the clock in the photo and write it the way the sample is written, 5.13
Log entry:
2.42
